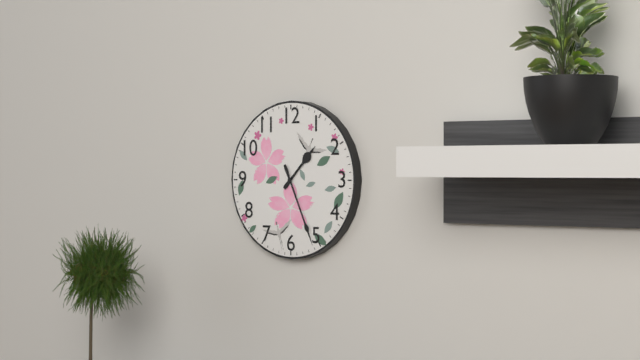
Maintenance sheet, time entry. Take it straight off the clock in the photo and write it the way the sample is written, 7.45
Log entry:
1.26
